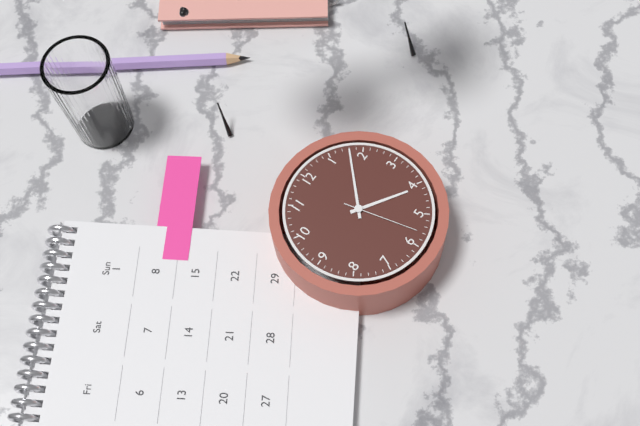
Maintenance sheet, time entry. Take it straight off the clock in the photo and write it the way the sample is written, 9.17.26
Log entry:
4.08.28
